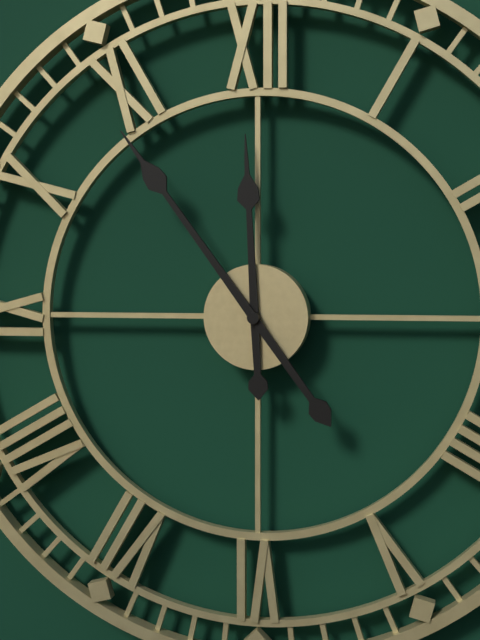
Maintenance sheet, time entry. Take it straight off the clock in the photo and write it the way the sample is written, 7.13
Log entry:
11.54
